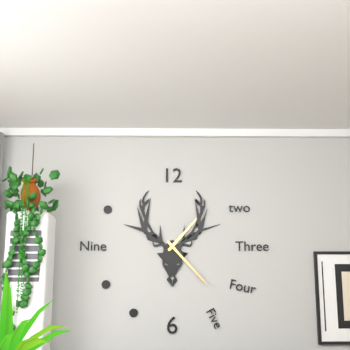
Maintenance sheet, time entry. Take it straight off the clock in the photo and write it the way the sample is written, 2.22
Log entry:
1.23
